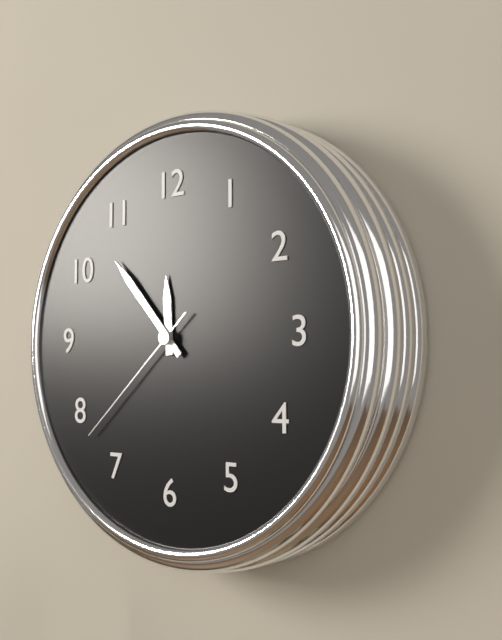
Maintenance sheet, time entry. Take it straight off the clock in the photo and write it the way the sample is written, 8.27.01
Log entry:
11.53.38
